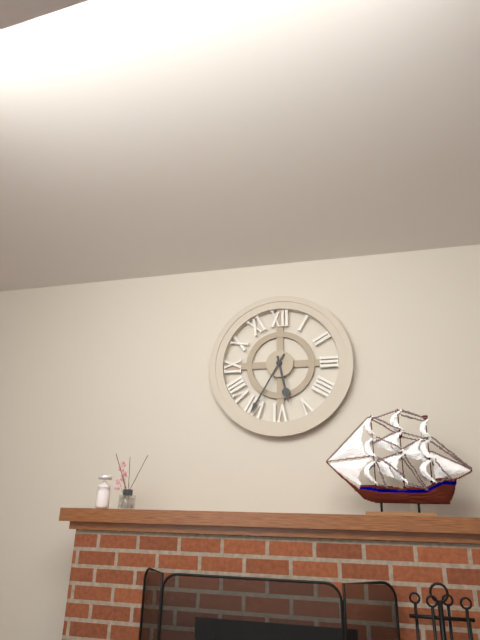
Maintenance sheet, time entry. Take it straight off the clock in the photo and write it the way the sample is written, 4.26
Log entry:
5.35
